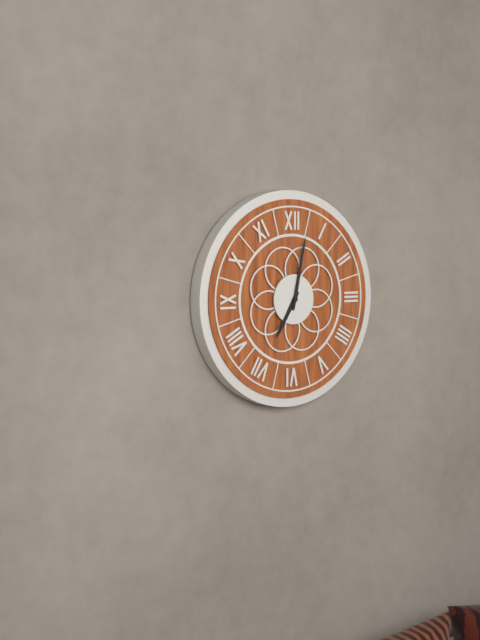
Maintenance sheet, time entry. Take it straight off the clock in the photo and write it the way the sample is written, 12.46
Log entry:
7.02
